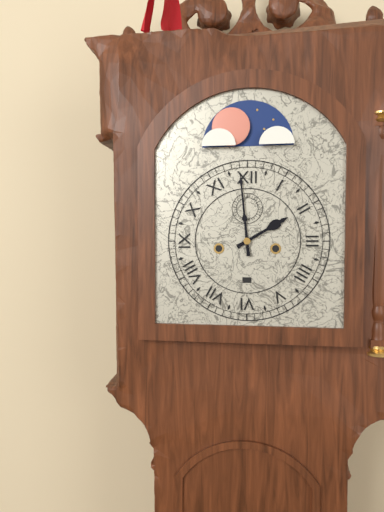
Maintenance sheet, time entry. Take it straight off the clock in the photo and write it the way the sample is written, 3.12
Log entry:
1.59
